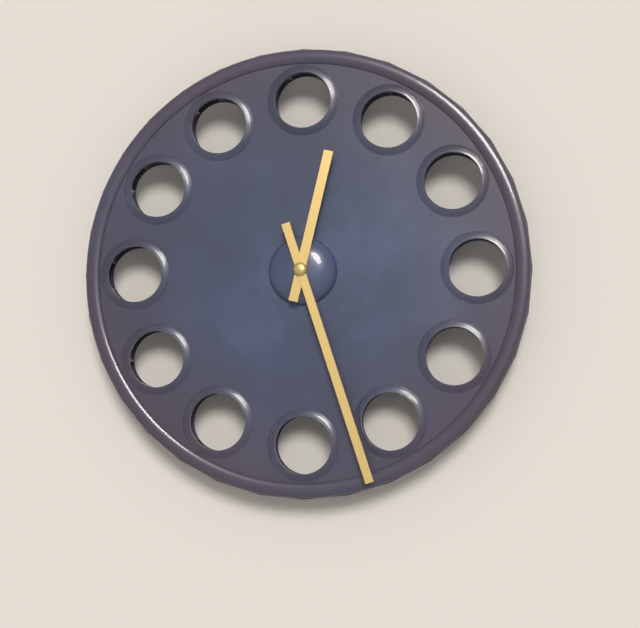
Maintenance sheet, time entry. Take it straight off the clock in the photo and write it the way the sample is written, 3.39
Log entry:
12.27
